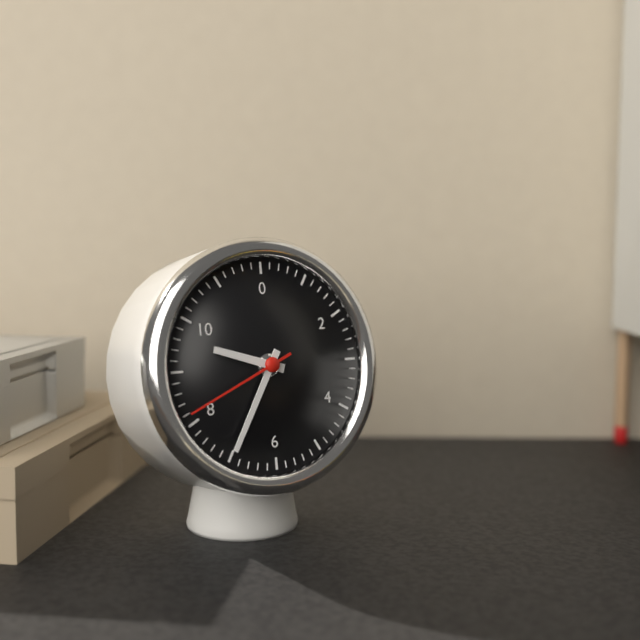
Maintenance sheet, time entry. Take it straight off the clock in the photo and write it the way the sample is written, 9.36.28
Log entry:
9.35.41
